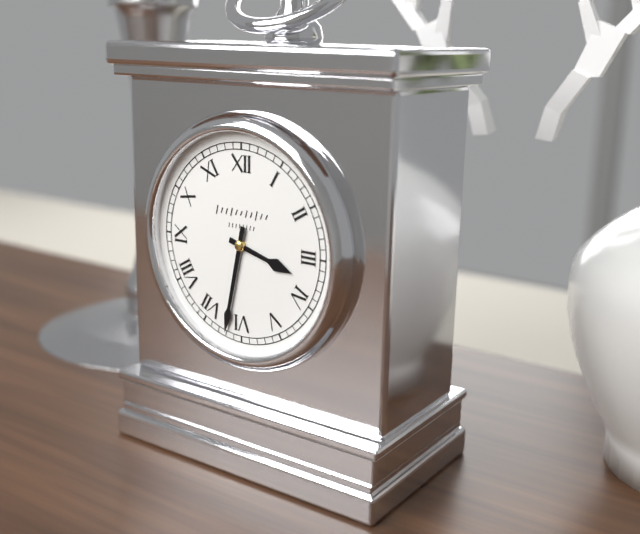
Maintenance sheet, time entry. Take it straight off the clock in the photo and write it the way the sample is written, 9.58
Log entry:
3.32
